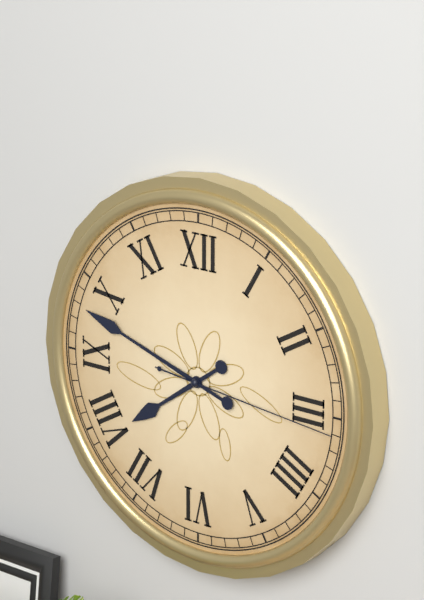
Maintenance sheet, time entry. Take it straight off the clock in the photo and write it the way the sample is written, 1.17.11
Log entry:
7.48.16
